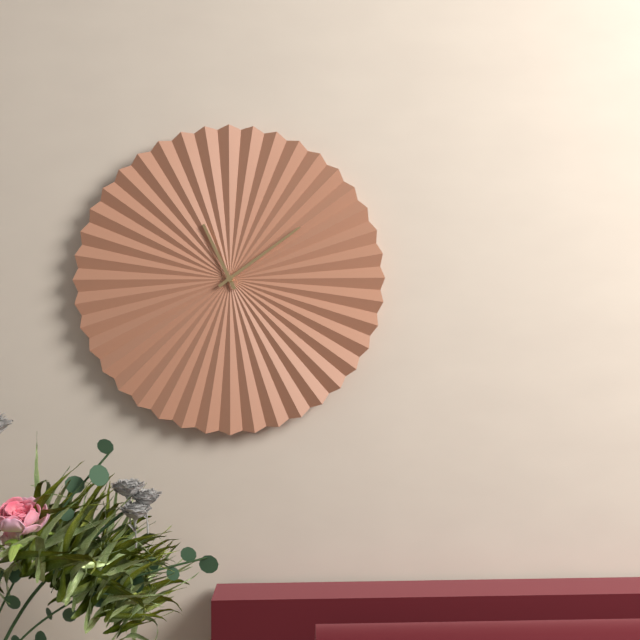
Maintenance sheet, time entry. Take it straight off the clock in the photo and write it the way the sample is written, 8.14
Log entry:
11.09
